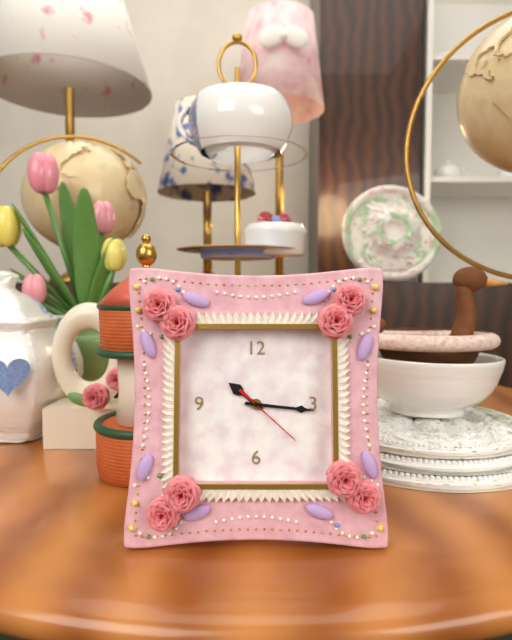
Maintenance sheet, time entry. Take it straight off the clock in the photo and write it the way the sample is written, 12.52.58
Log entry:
10.16.22
